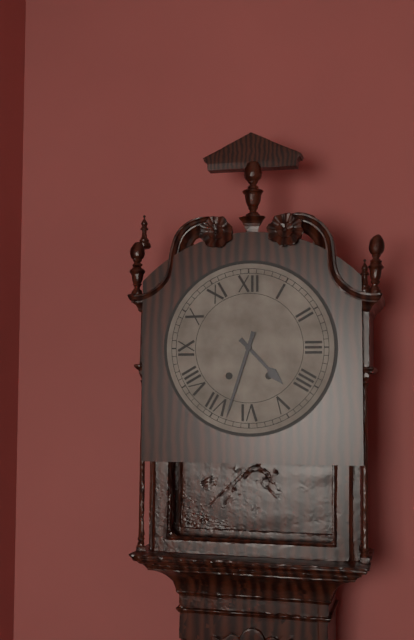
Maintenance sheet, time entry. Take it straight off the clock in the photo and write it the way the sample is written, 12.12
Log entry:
4.33
